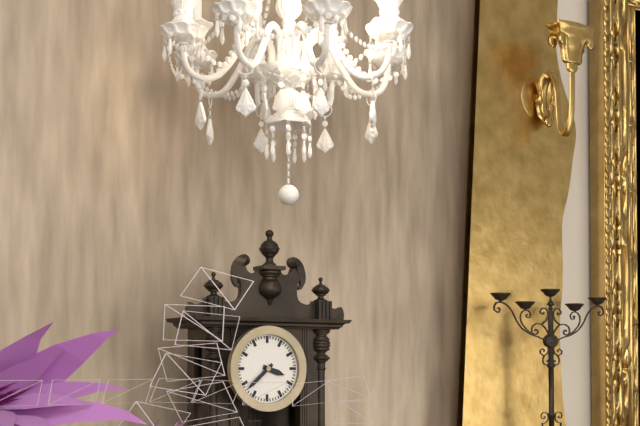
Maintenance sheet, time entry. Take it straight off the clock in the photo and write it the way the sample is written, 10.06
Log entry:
3.38
